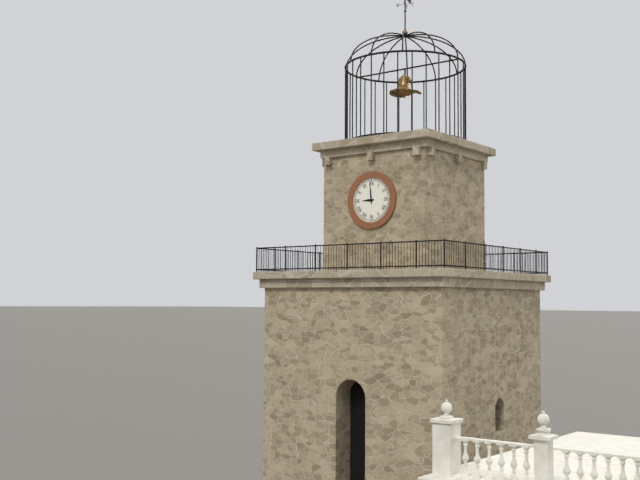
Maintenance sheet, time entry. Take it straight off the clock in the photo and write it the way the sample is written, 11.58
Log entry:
8.59
